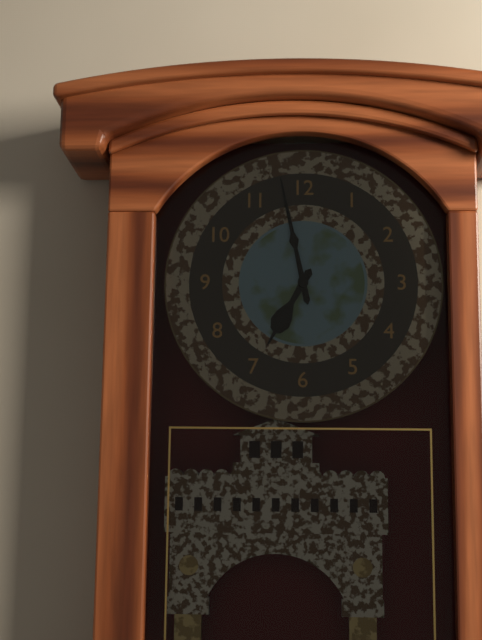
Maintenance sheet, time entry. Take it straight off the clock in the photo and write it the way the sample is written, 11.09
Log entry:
6.58
